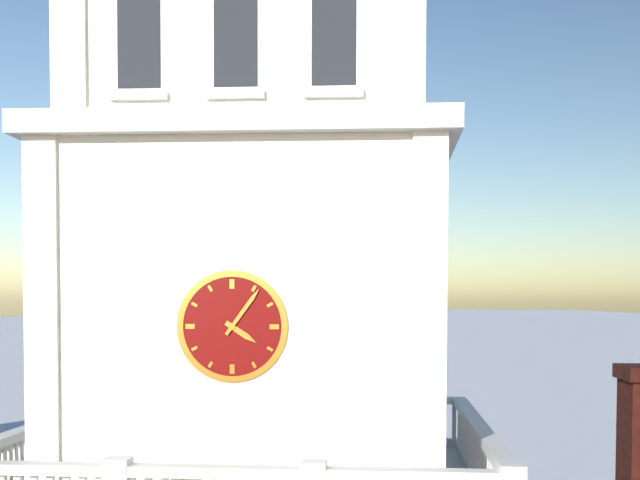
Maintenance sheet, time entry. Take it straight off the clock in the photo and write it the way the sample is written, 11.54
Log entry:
4.06
